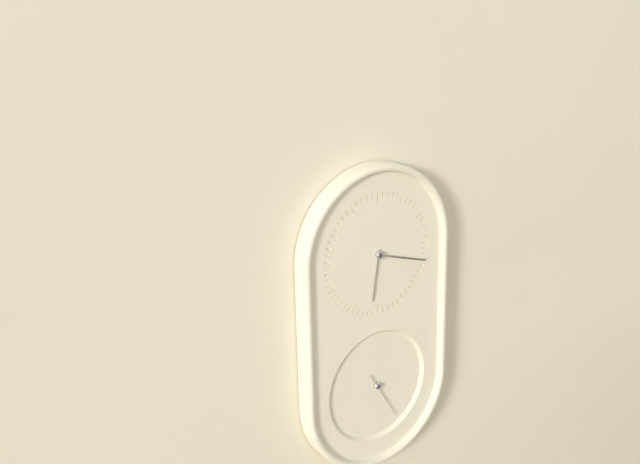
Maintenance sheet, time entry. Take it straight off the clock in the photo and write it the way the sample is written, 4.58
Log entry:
6.18
